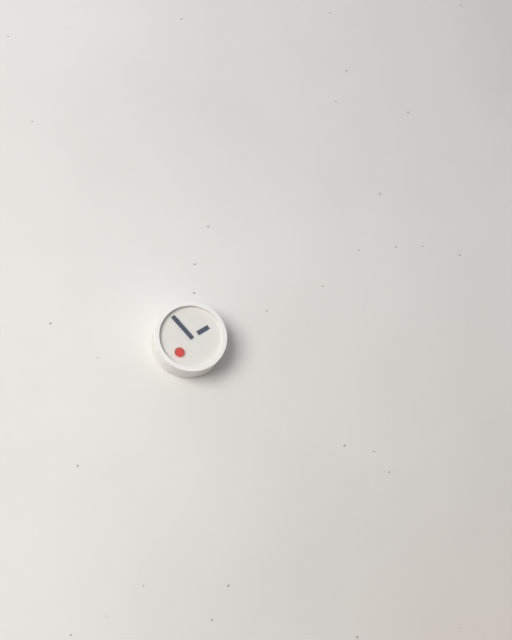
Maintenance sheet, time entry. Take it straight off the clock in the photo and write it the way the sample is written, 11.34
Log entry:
1.53
